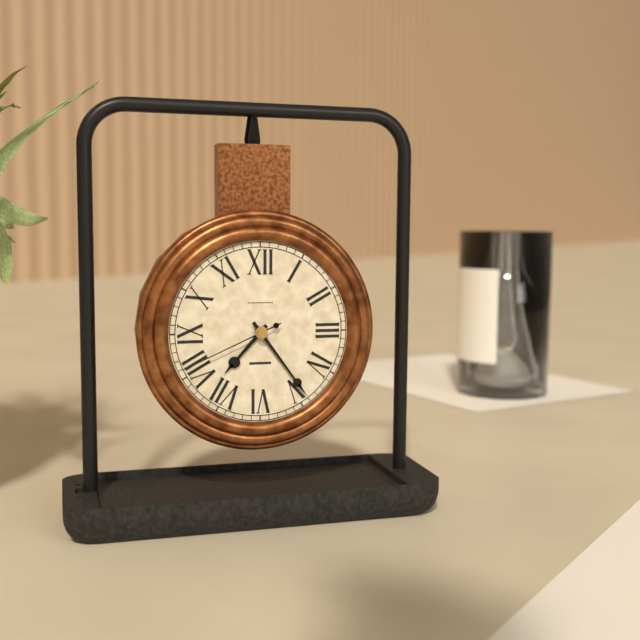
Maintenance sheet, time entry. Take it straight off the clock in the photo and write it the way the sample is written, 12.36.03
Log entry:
7.24.41
